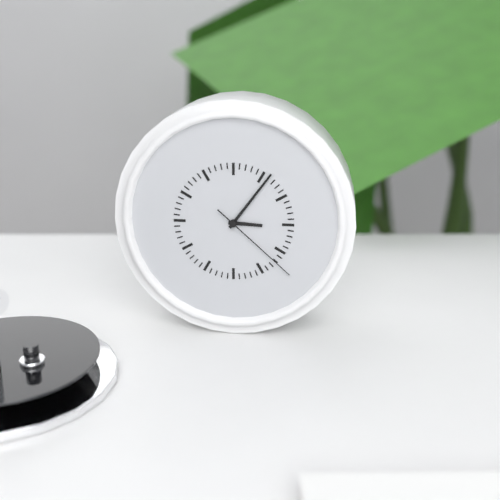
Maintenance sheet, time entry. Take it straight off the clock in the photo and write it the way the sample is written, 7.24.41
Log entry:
3.06.22
